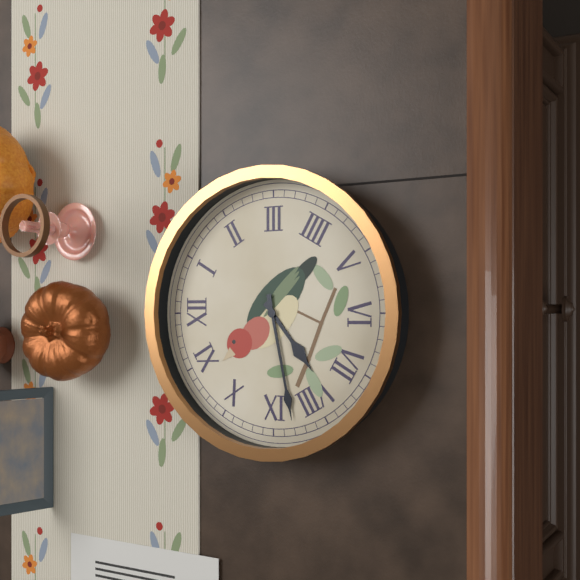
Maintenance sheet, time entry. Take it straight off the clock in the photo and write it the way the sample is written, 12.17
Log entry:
7.43
